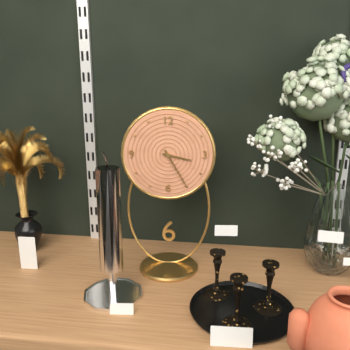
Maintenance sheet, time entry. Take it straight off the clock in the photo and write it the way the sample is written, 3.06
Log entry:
3.25
